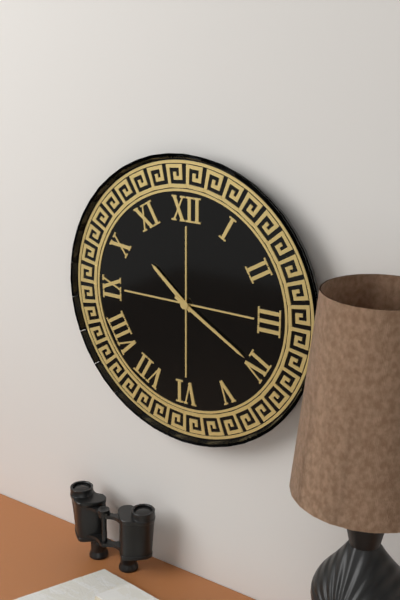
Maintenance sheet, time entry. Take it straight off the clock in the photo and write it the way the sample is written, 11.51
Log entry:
10.20
